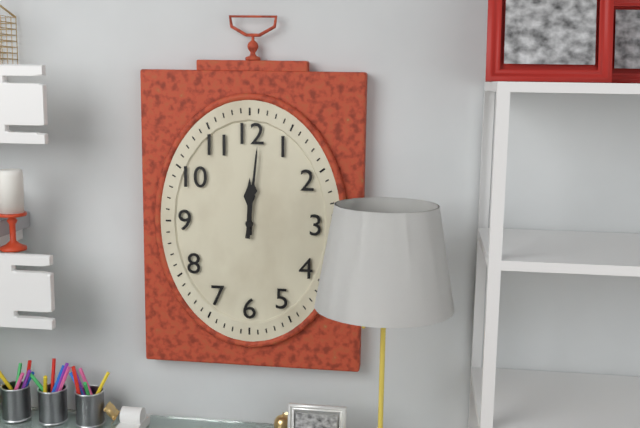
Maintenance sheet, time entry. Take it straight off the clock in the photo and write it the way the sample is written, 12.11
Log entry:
12.01
